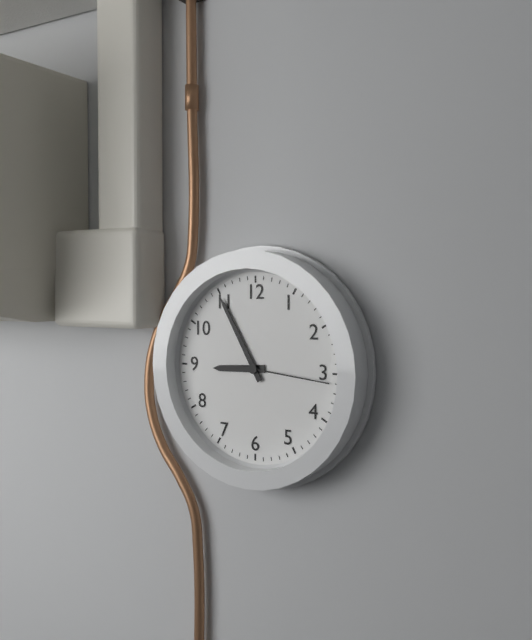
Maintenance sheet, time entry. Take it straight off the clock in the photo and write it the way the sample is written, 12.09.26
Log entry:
8.55.16
